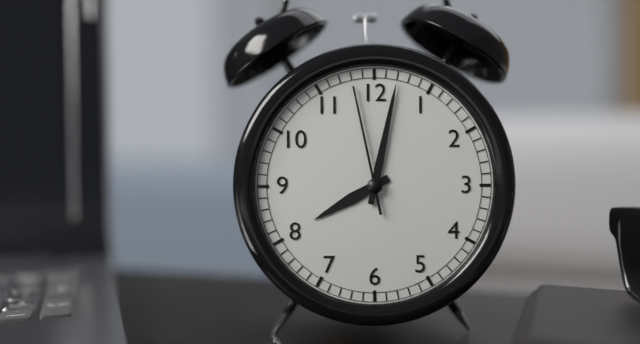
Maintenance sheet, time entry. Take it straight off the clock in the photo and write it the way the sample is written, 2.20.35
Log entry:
8.02.58
